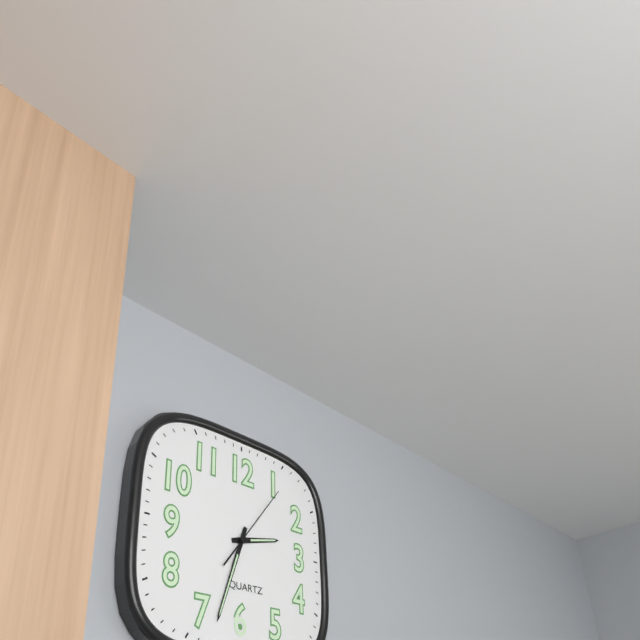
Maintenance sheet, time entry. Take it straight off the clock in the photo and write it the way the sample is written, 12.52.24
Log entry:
2.33.06
